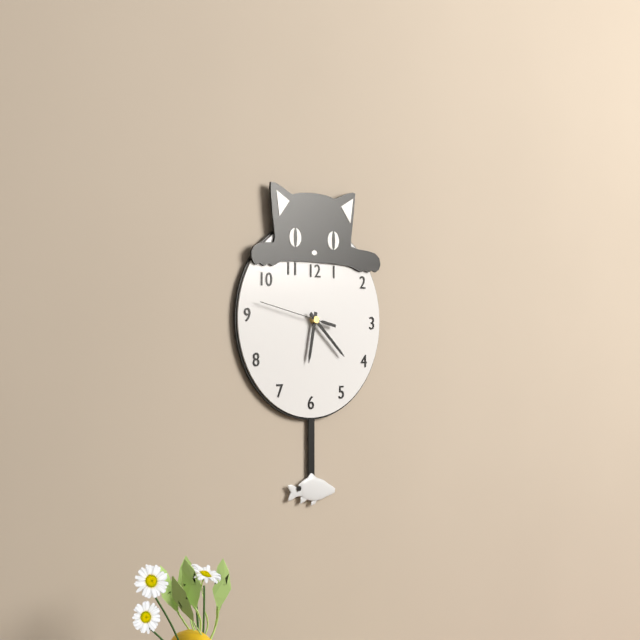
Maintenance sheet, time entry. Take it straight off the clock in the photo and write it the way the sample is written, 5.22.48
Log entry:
6.22.47
